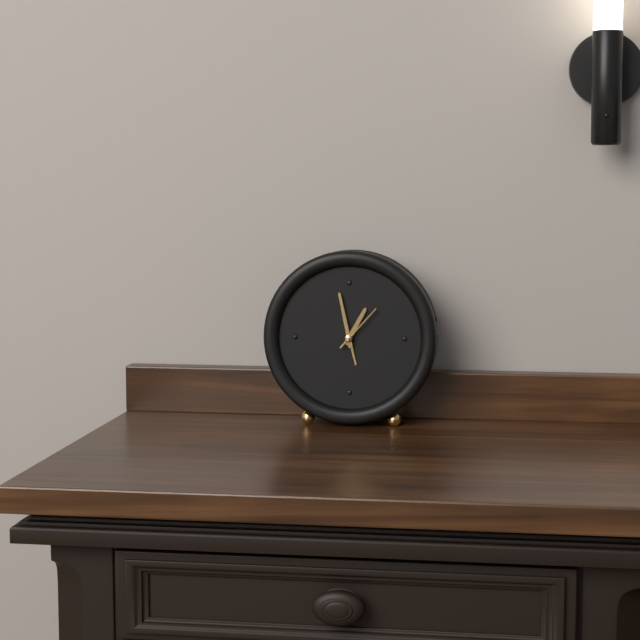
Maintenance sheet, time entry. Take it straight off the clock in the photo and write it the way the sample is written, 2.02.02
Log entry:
12.58.07
